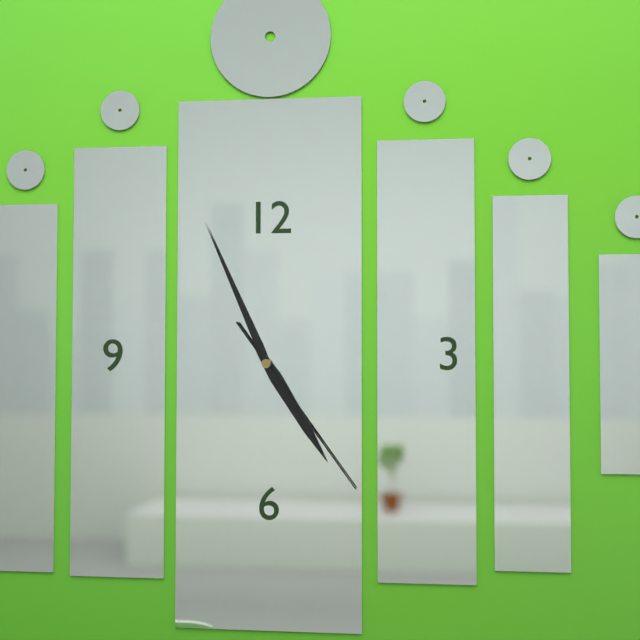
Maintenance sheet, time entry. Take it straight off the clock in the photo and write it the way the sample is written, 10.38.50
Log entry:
4.56.24
